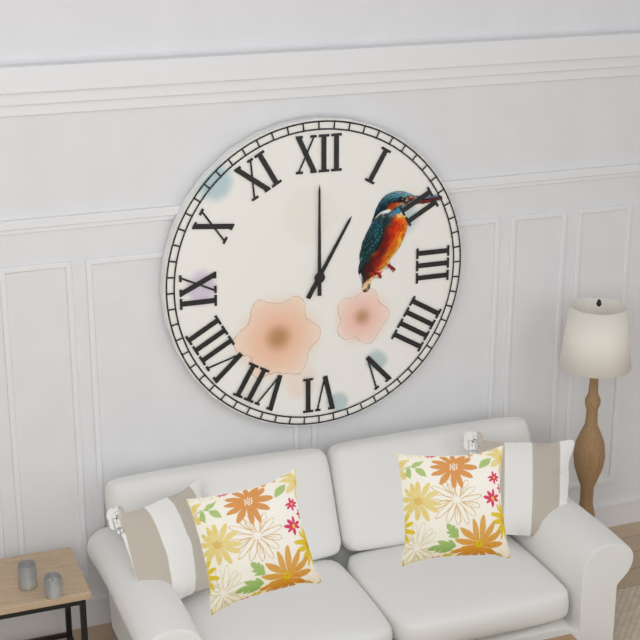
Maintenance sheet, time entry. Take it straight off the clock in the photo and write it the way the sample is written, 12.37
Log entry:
1.00
